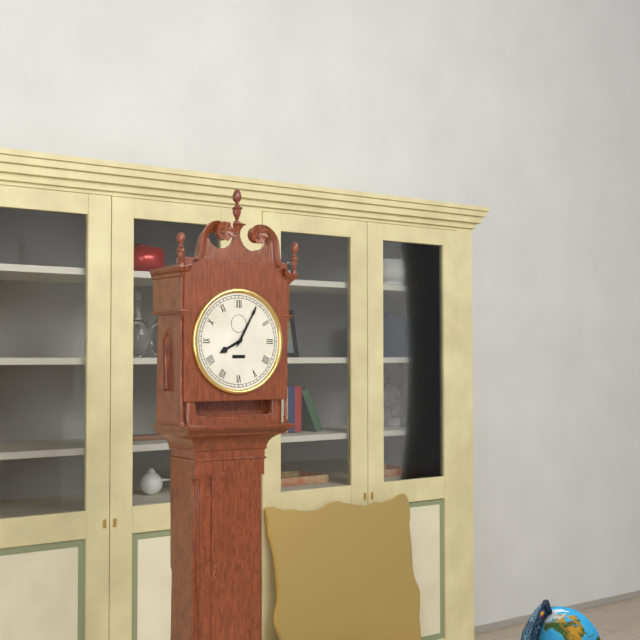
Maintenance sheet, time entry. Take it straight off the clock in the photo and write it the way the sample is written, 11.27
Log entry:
8.05
